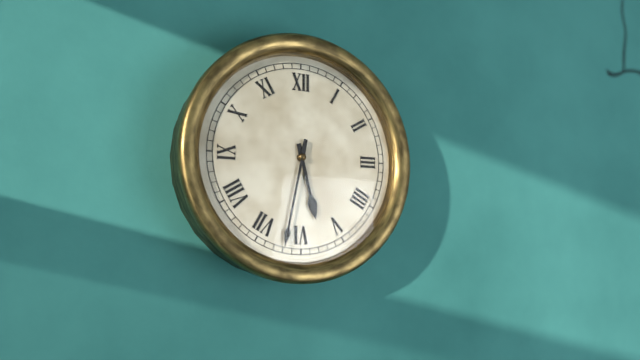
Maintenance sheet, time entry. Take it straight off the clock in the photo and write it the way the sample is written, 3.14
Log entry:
5.32
